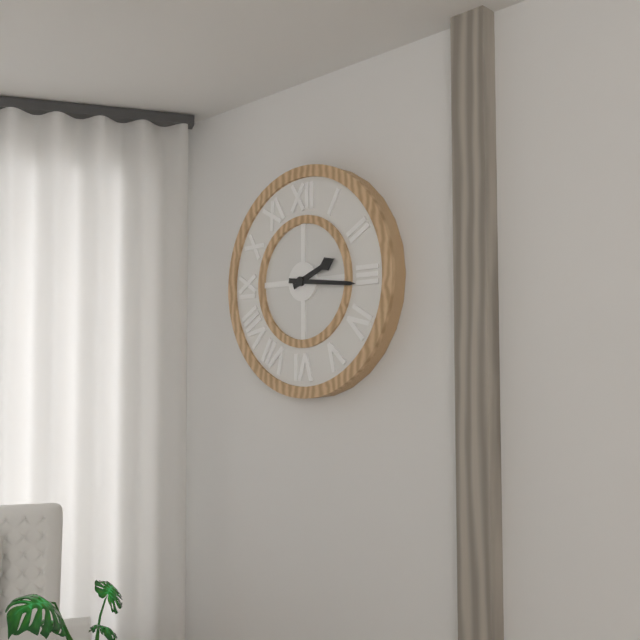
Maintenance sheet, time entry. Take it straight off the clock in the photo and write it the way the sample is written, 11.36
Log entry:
2.16
